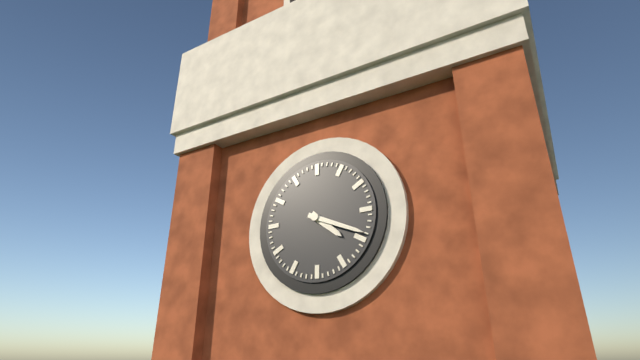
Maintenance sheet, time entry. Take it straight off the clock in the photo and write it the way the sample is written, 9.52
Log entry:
4.19
